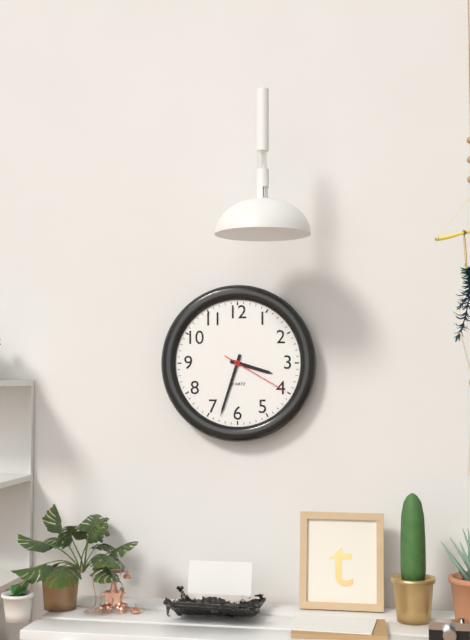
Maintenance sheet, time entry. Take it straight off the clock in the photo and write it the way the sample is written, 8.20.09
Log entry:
3.33.20
